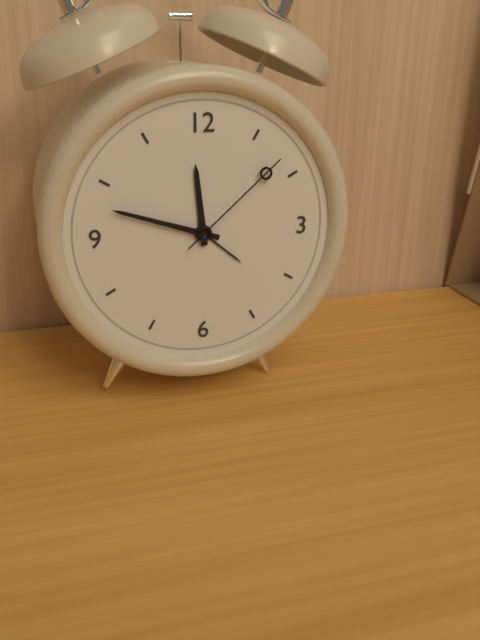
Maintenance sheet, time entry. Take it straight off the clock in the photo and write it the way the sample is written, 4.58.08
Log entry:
11.48.08
